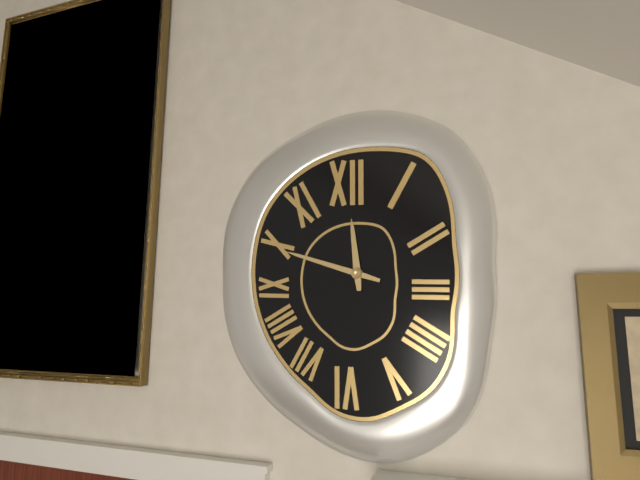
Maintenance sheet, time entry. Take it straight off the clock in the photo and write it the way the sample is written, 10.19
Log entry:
11.48
